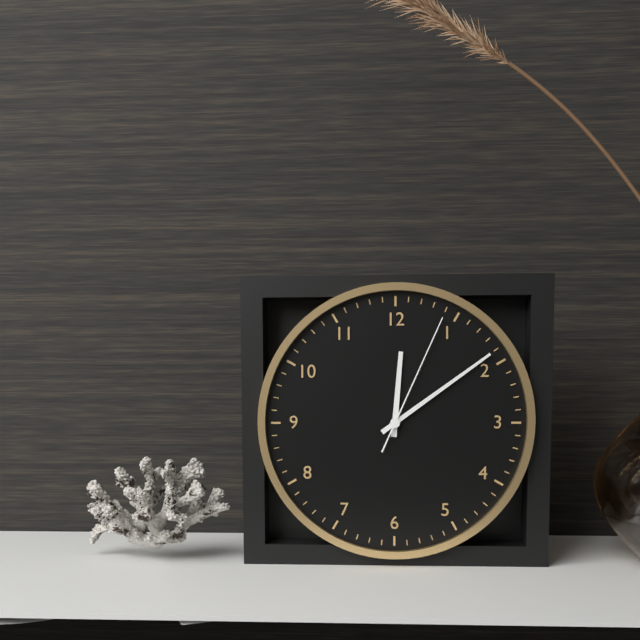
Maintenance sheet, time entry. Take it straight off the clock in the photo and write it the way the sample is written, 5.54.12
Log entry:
12.09.04
